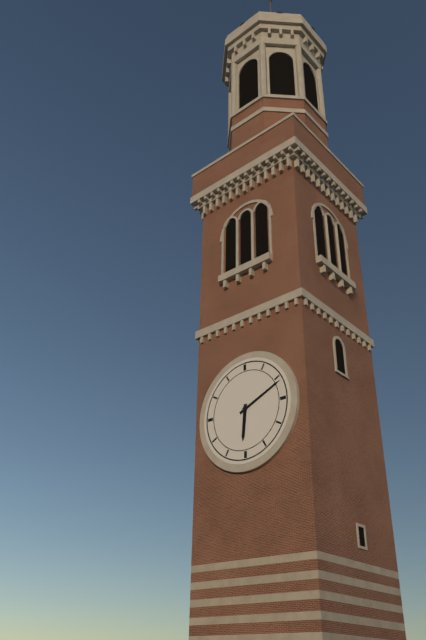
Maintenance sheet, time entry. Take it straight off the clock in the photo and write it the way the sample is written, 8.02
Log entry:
6.11
